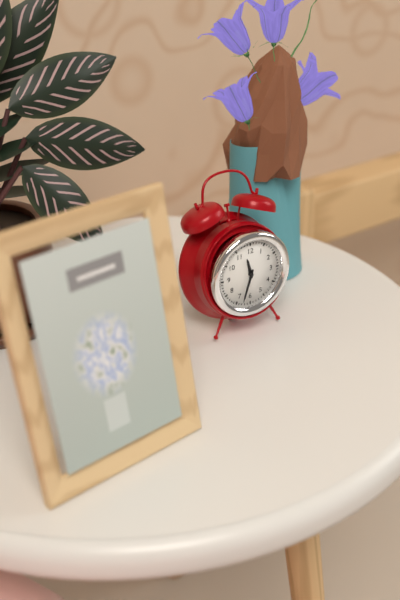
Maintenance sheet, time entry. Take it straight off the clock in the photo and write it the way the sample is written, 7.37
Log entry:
11.33
